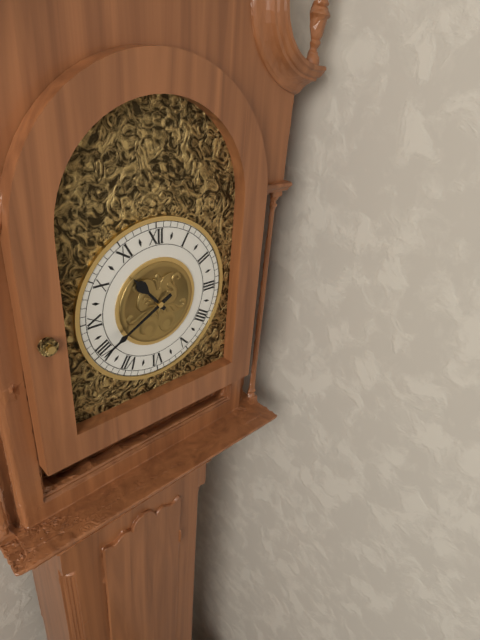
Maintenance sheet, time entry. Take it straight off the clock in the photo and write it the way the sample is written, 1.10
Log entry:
10.40
